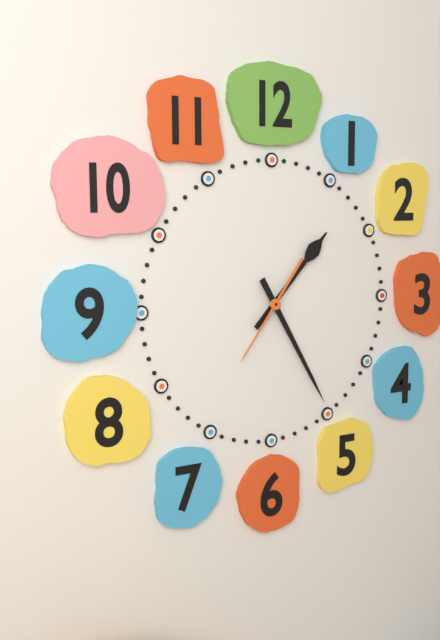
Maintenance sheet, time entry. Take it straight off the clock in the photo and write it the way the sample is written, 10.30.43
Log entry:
1.25.36
